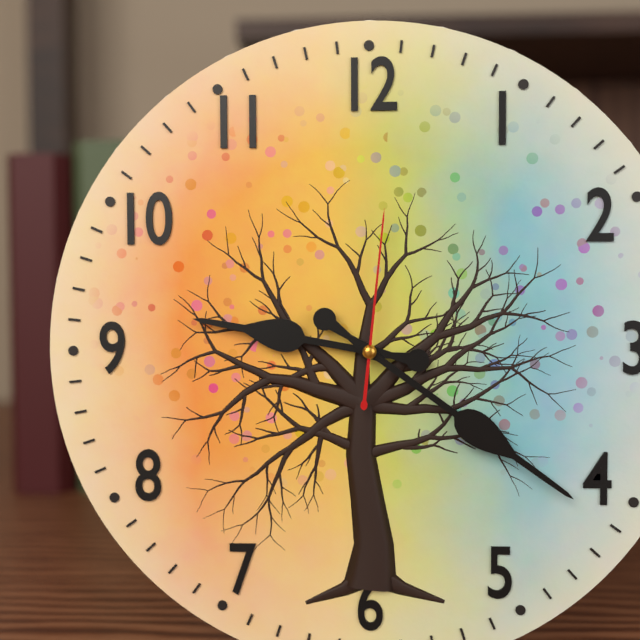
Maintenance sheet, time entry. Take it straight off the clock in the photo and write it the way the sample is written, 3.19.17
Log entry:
9.21.01
